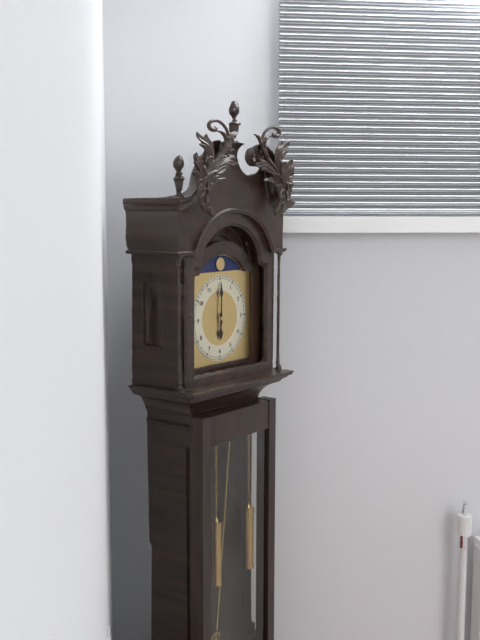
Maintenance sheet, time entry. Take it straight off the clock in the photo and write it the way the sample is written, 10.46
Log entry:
6.00
